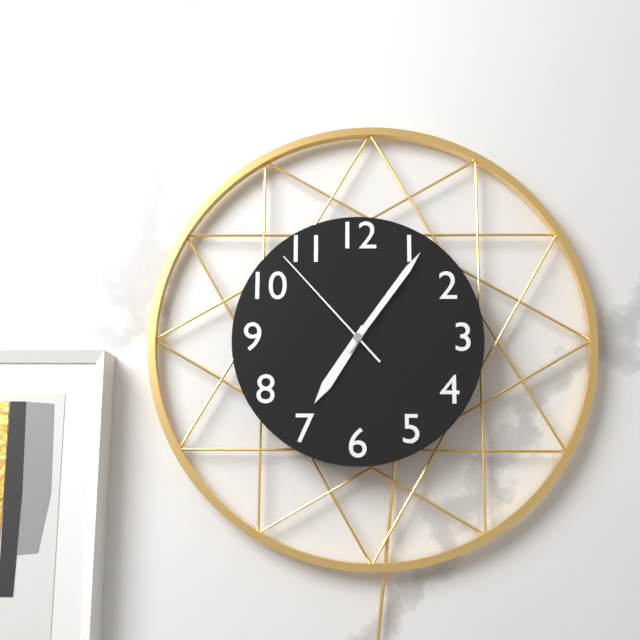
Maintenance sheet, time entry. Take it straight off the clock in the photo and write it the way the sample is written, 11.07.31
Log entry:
7.06.53
